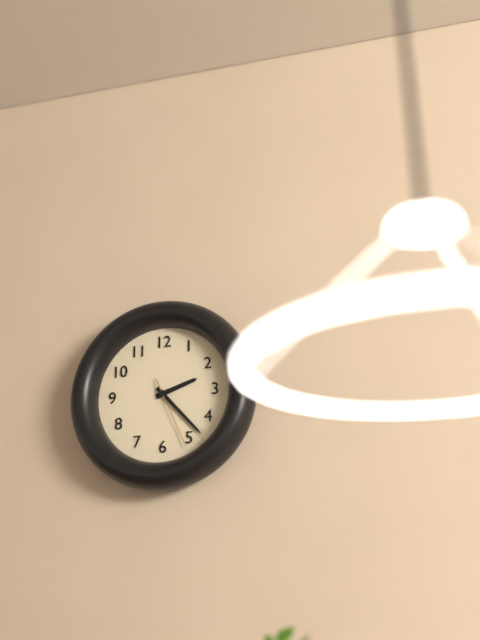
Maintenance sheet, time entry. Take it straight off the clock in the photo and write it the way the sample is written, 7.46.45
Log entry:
2.23.26
